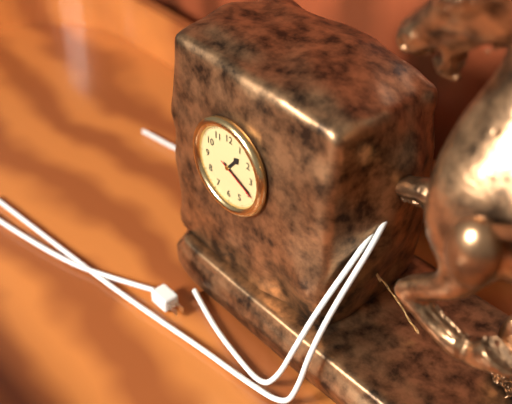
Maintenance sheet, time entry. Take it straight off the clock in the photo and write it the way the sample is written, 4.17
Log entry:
1.19
